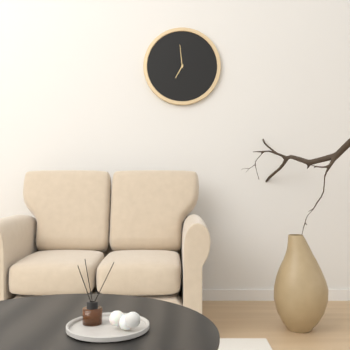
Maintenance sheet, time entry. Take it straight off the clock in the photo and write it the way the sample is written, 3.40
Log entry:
6.59
